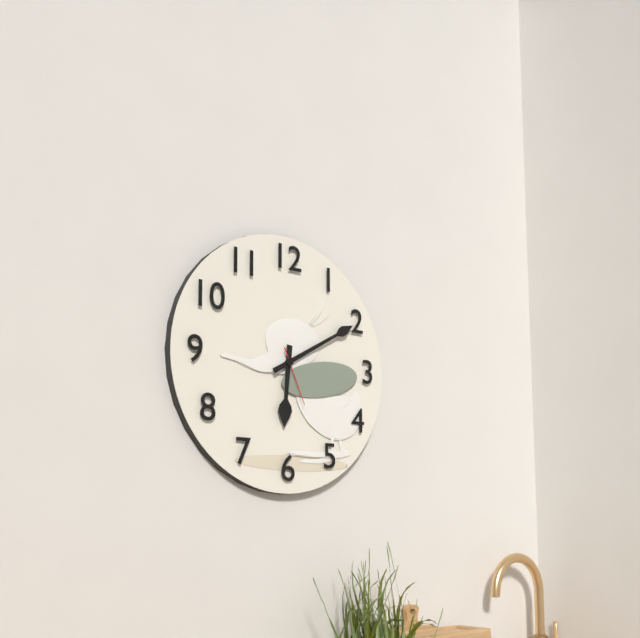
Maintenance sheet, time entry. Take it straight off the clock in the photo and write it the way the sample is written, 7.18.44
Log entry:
6.10.26
